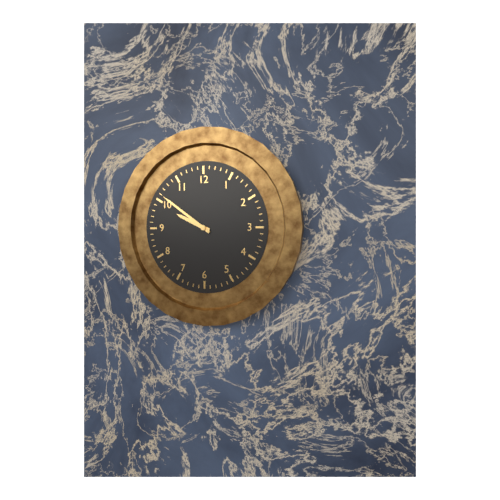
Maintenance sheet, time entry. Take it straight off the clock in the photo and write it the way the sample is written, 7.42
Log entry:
9.51
